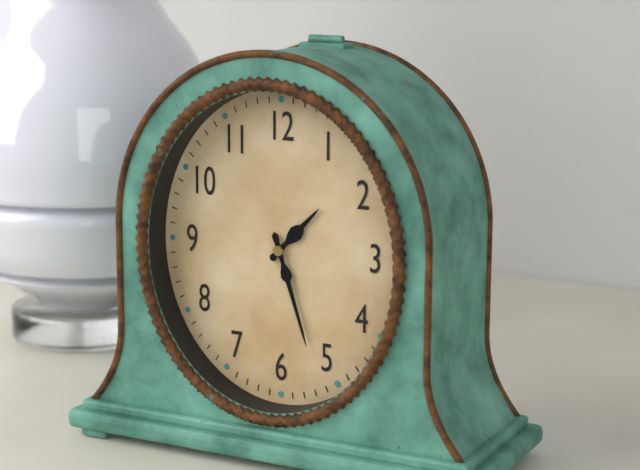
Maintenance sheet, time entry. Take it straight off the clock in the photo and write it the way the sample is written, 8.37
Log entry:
1.27
